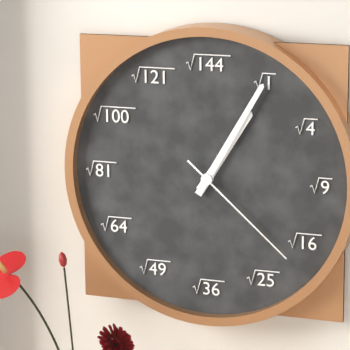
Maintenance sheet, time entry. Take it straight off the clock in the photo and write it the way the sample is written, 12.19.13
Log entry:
1.05.22
